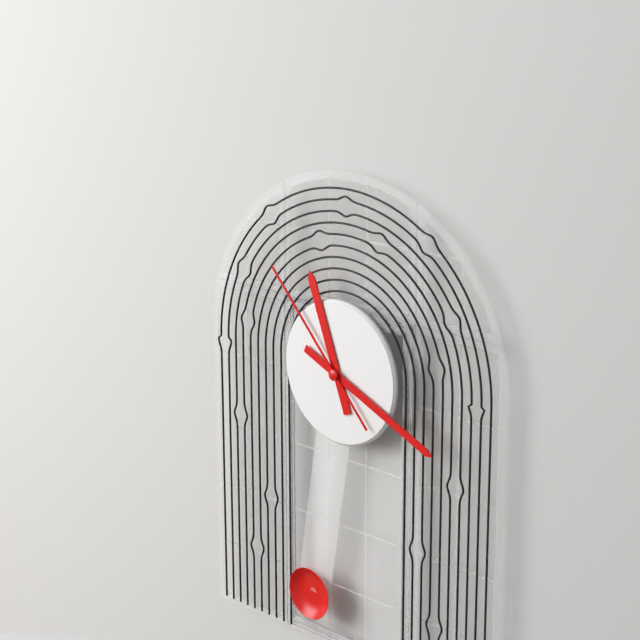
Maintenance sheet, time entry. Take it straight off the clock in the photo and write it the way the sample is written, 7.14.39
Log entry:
11.19.53
